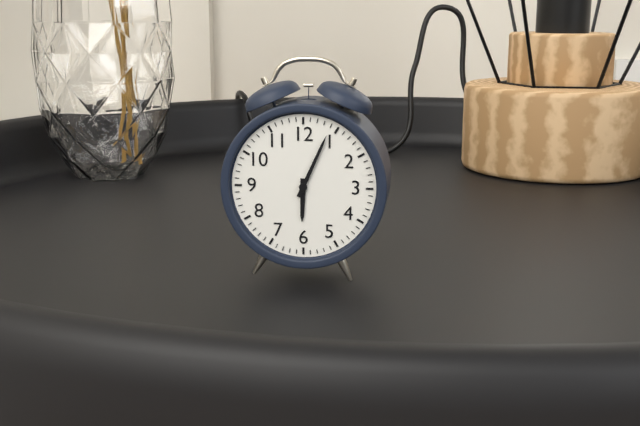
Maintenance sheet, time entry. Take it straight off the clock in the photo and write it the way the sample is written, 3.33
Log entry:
6.04
